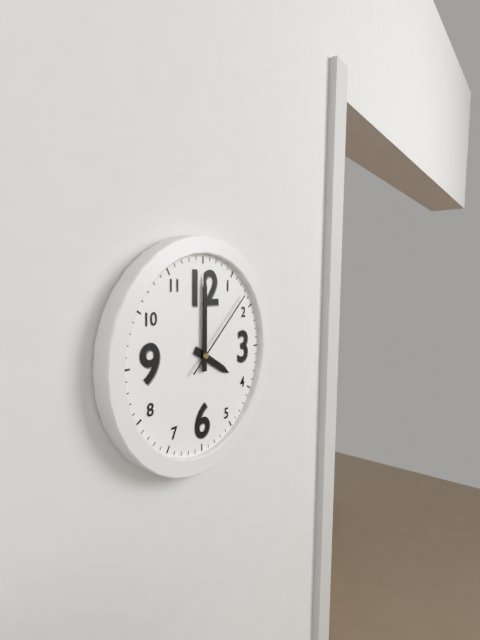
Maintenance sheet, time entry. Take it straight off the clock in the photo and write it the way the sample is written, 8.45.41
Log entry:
4.00.08
